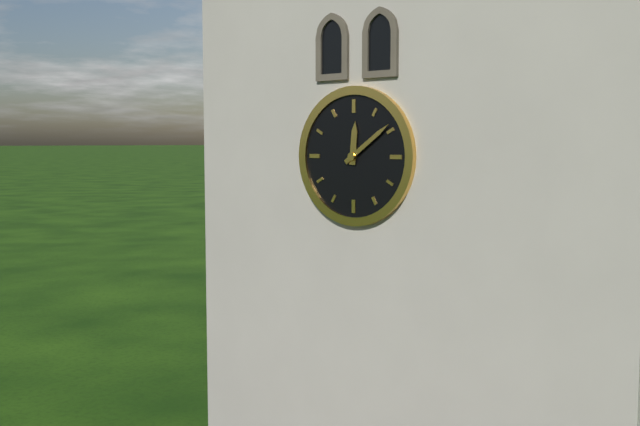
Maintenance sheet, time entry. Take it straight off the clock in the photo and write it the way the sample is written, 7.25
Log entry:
12.09
